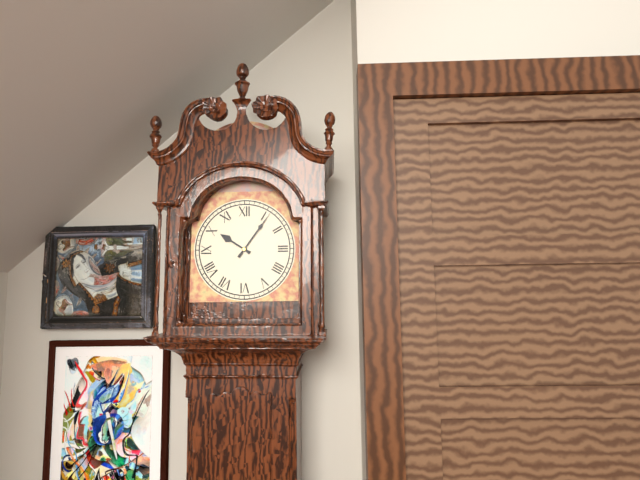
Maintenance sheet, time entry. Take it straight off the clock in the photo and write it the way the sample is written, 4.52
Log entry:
10.06
